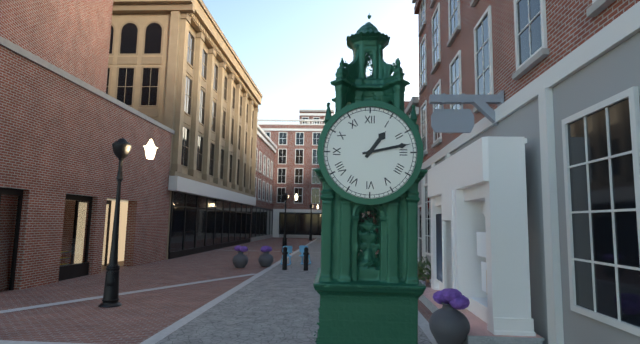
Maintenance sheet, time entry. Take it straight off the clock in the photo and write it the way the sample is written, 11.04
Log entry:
1.13
